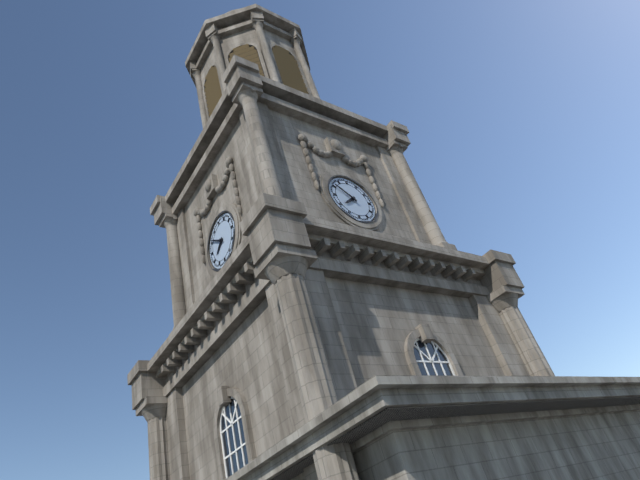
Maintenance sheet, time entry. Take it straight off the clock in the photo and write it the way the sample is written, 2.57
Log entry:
7.51
